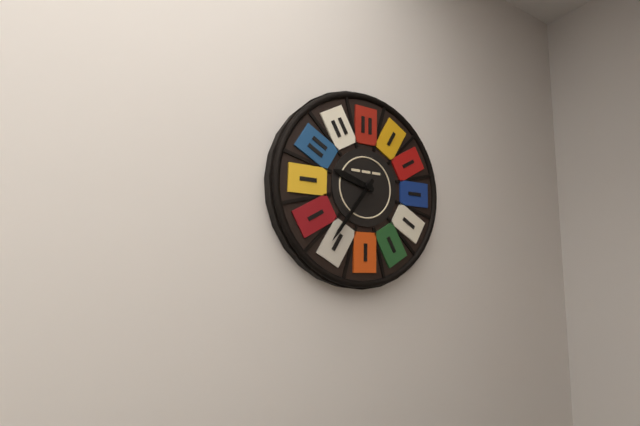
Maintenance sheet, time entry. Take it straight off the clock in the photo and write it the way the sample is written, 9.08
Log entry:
9.36
